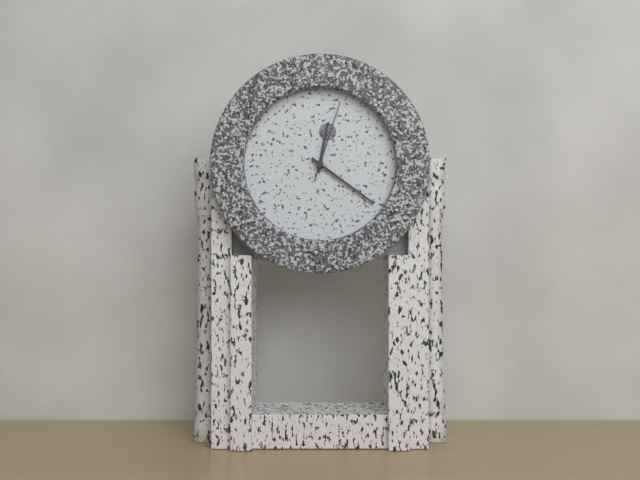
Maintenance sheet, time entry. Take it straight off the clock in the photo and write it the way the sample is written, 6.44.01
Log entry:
12.21.03
